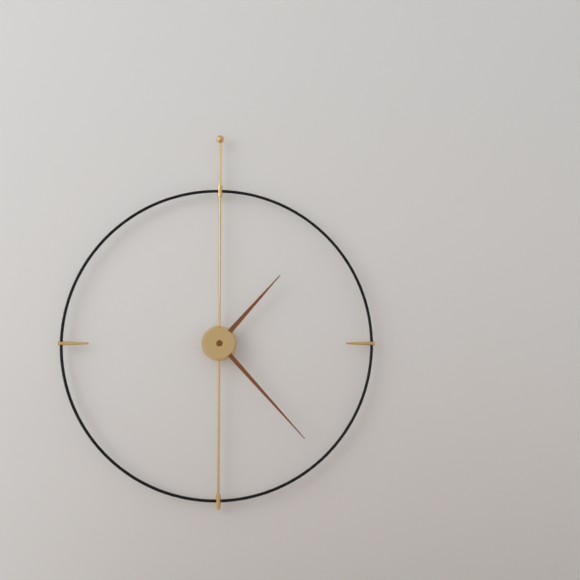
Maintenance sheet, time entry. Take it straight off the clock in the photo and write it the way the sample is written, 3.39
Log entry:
1.23
